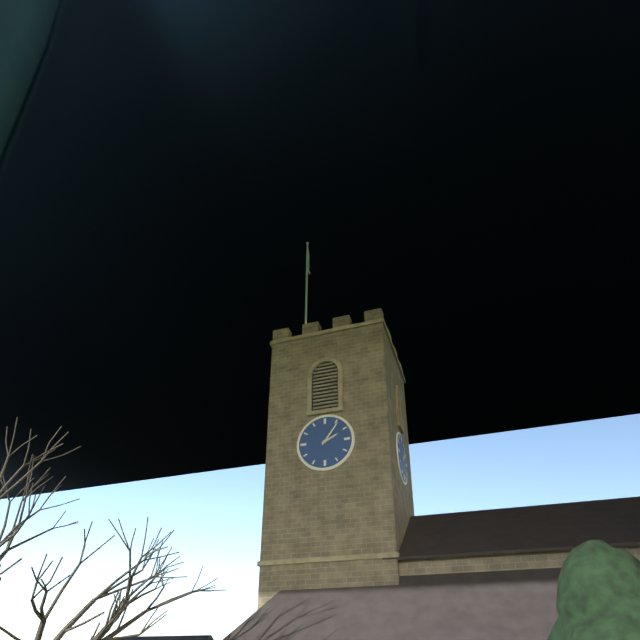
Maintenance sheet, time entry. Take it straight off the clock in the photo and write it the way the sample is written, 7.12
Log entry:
2.06
